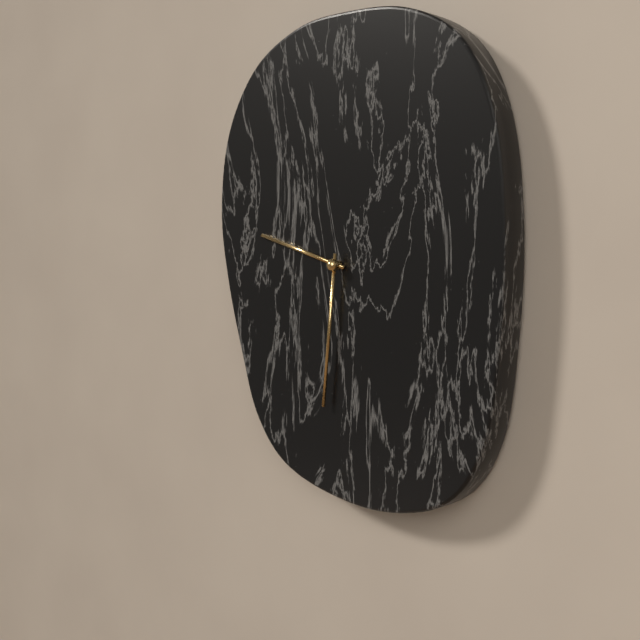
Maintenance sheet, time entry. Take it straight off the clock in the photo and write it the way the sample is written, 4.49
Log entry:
9.31
